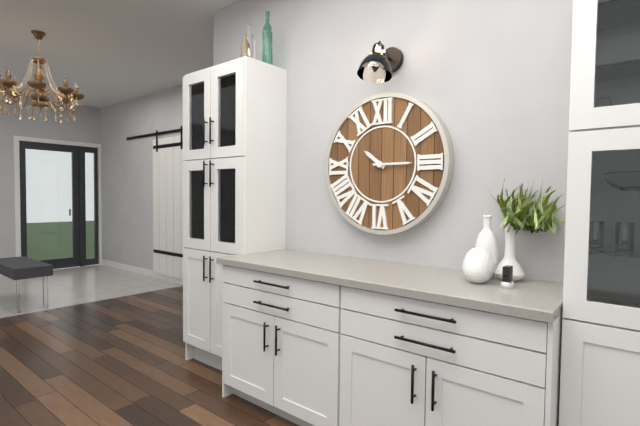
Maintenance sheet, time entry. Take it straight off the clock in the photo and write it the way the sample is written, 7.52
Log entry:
10.15
